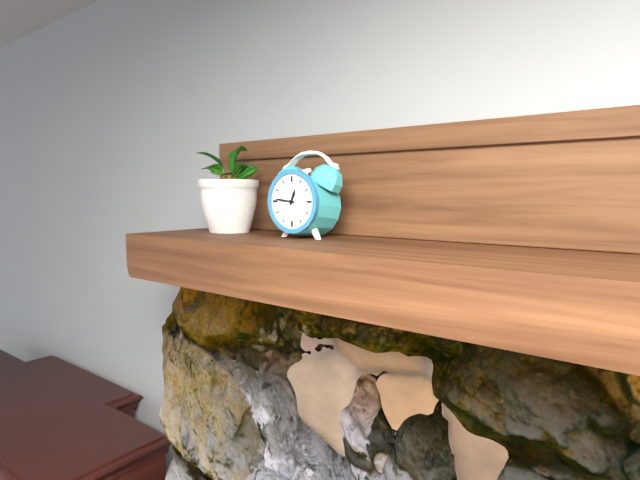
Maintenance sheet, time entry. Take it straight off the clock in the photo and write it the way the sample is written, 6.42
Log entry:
12.46
